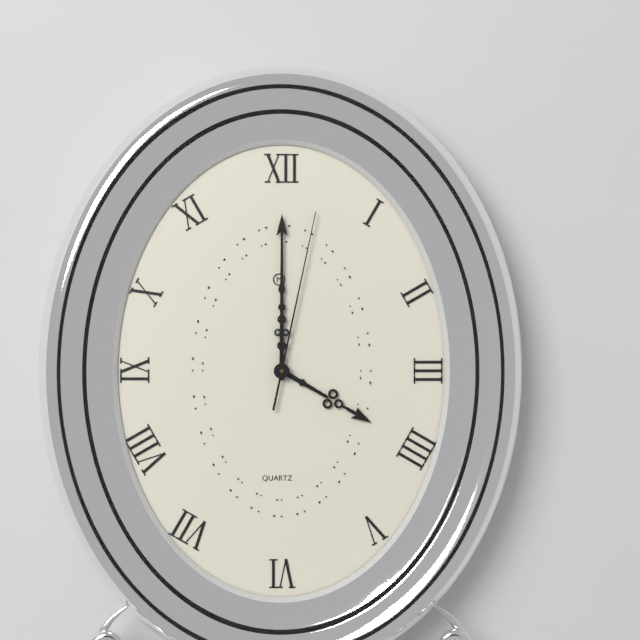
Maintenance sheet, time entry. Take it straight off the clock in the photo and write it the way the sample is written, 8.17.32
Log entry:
4.00.02
